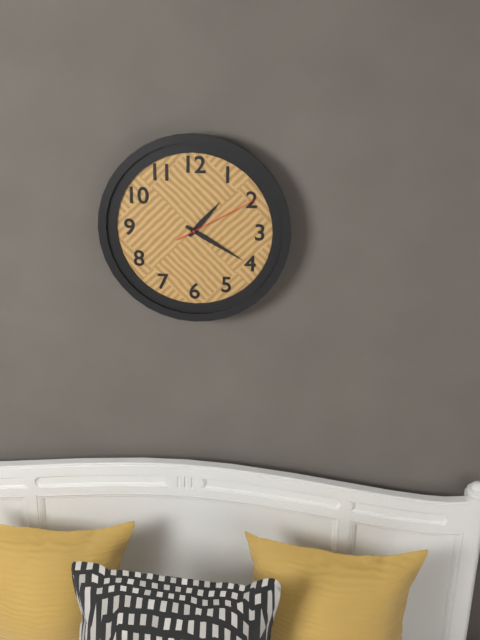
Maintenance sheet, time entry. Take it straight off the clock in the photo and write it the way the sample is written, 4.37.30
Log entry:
1.20.10
